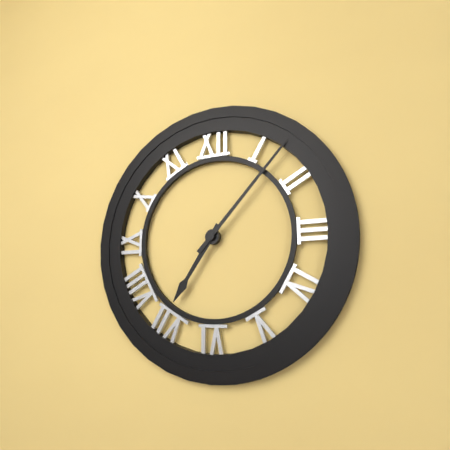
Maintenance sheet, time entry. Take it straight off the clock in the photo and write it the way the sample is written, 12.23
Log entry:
7.07
